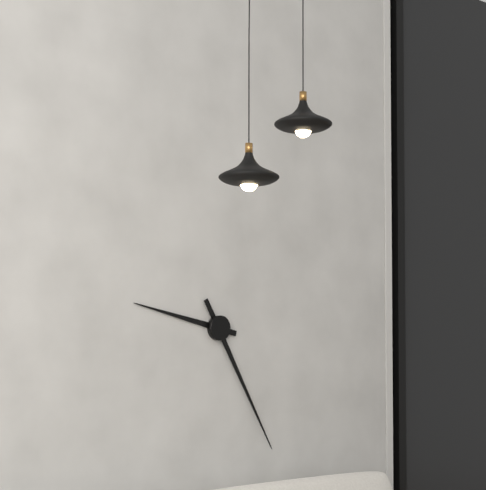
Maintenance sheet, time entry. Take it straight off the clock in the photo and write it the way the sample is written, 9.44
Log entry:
9.25
